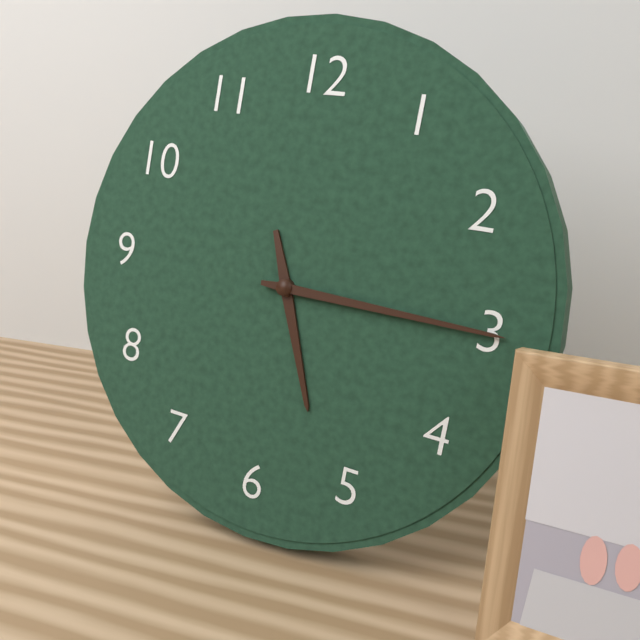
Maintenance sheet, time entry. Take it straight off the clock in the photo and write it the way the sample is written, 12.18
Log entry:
5.15
